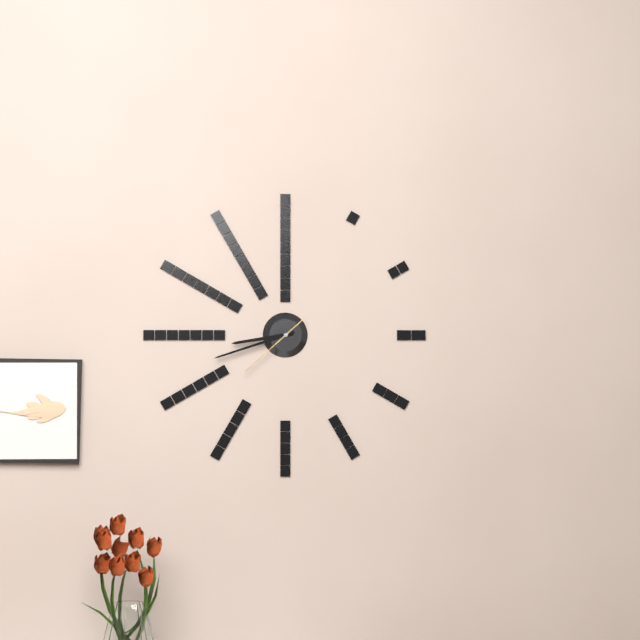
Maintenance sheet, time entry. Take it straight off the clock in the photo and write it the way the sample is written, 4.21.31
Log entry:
8.42.38
